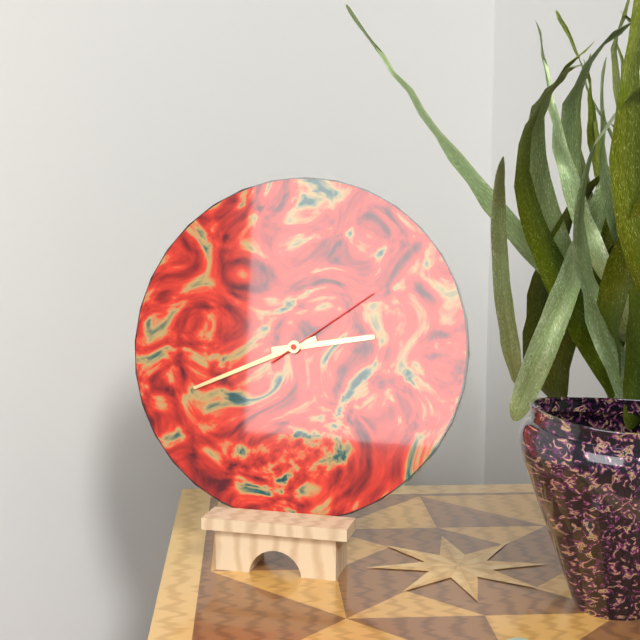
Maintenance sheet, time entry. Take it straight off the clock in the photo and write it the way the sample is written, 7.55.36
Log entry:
2.41.09
